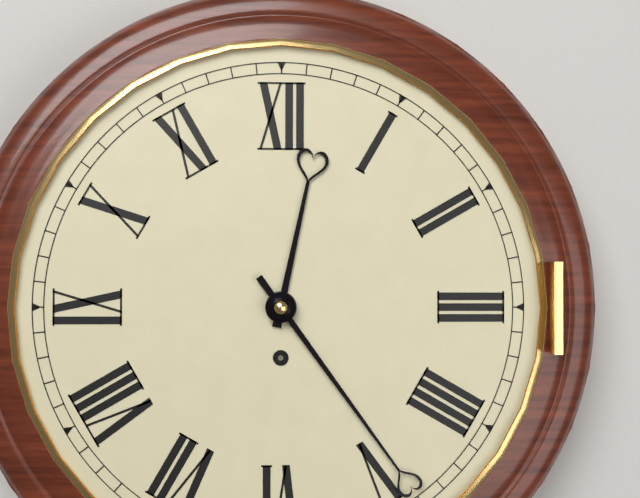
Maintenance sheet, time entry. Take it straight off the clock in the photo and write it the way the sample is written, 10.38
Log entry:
12.24
